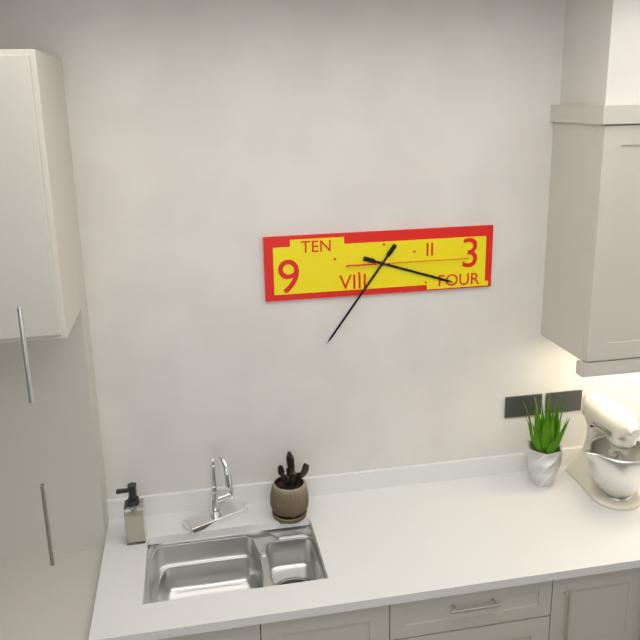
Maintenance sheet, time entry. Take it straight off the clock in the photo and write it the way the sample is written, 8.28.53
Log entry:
3.36.15
